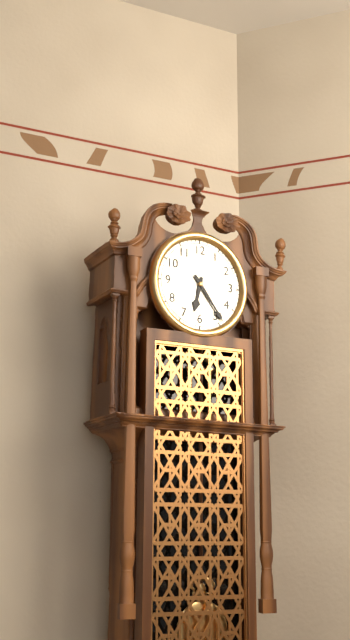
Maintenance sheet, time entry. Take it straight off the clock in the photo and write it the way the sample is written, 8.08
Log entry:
6.24
